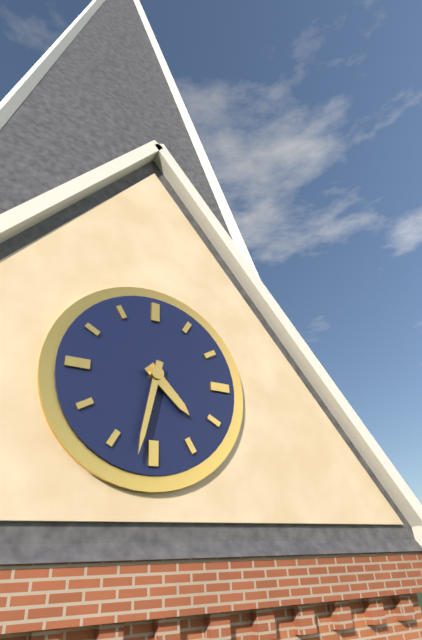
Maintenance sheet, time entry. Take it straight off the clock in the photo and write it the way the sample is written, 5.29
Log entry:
4.32
